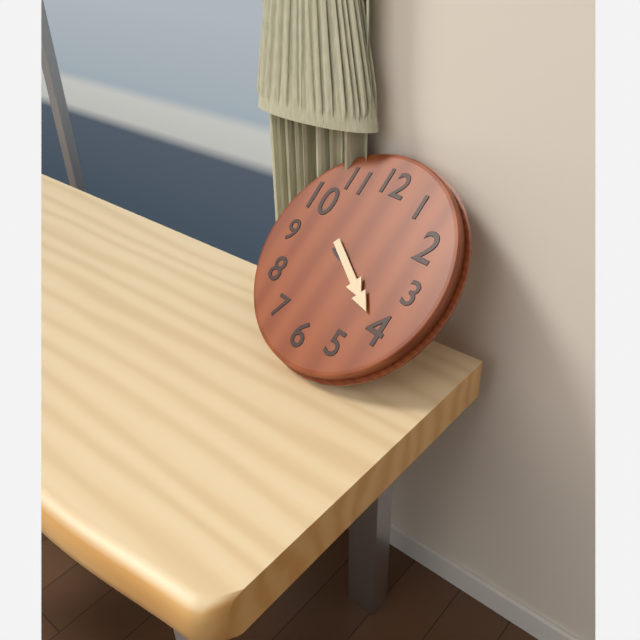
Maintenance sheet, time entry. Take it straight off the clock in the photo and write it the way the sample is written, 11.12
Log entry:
9.20
